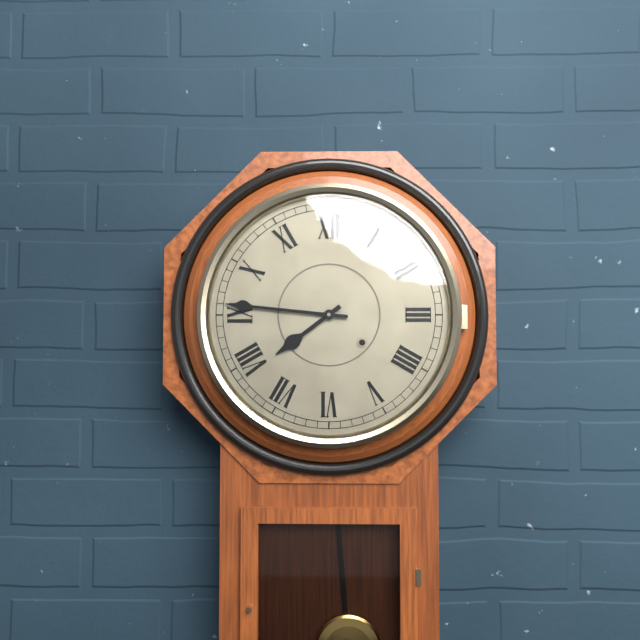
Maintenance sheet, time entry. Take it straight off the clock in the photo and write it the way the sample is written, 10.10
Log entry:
7.46
